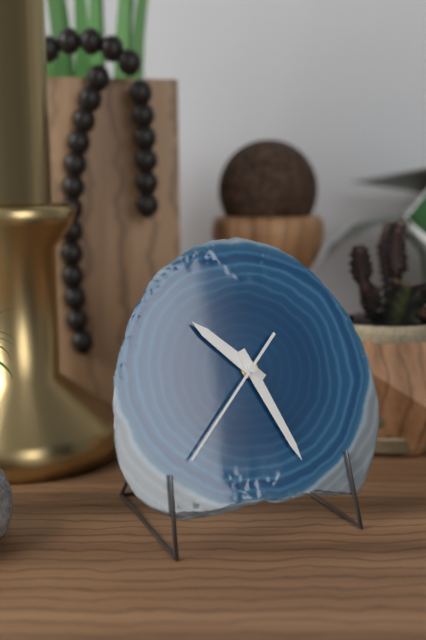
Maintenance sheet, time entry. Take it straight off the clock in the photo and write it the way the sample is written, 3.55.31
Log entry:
10.26.37
